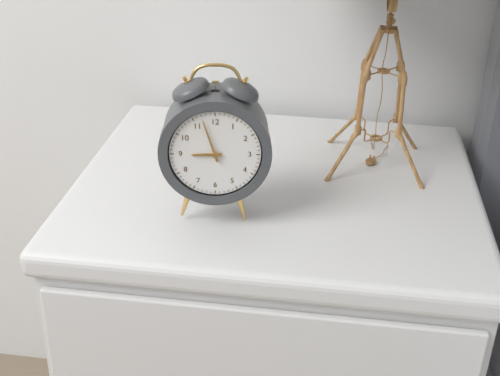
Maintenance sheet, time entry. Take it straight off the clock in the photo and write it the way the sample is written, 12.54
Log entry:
8.57
